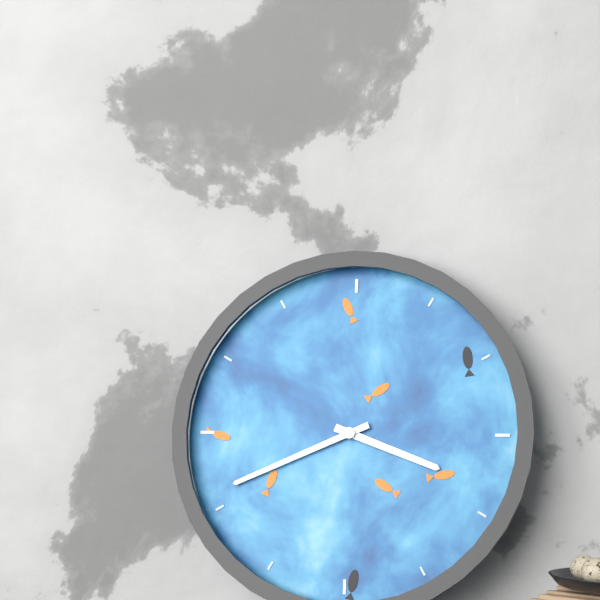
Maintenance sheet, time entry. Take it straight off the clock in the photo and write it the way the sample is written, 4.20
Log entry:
3.41
